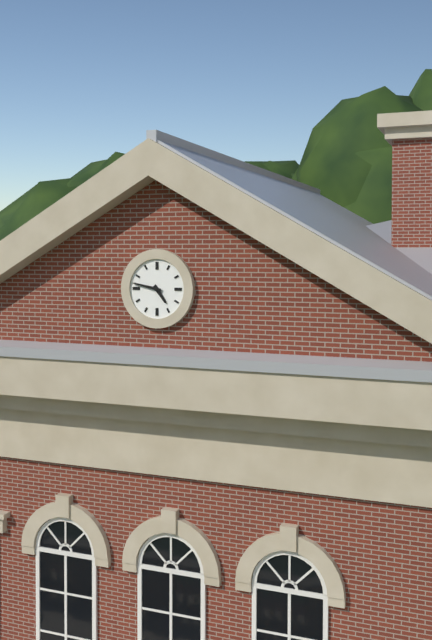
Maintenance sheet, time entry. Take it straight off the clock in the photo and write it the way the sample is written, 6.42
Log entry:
4.47
